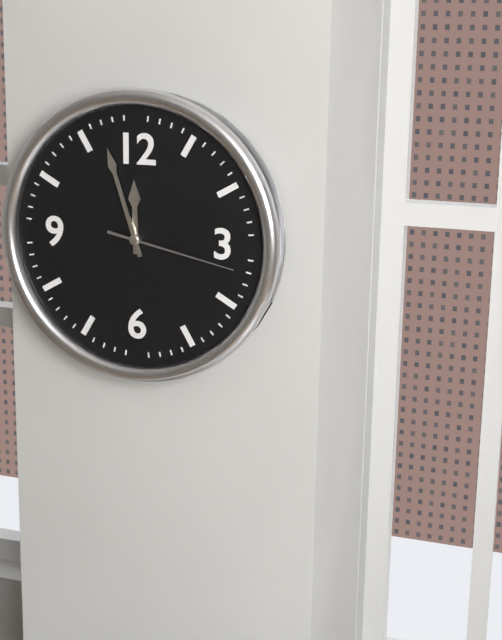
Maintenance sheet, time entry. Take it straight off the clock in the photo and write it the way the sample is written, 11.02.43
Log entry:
11.57.17
